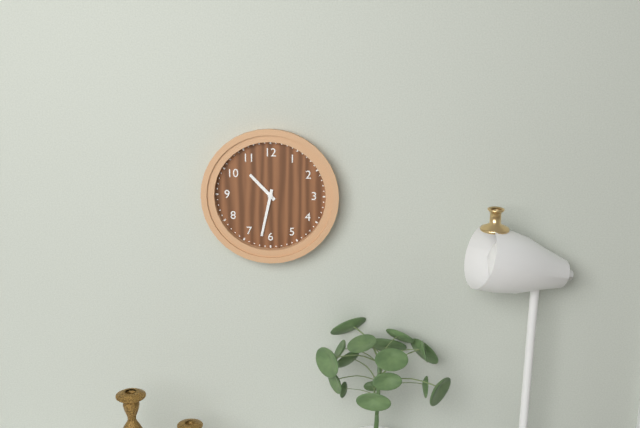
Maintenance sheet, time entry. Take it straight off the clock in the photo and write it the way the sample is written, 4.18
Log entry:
10.32
